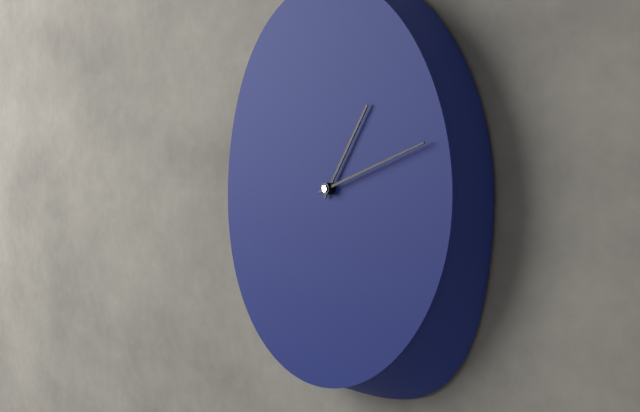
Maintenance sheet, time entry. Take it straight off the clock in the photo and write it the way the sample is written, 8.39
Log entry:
1.12
